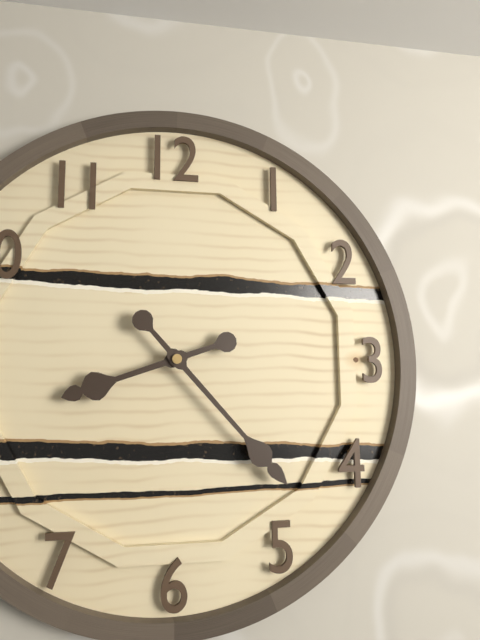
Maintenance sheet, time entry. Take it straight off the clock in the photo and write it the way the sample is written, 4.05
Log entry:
8.23
